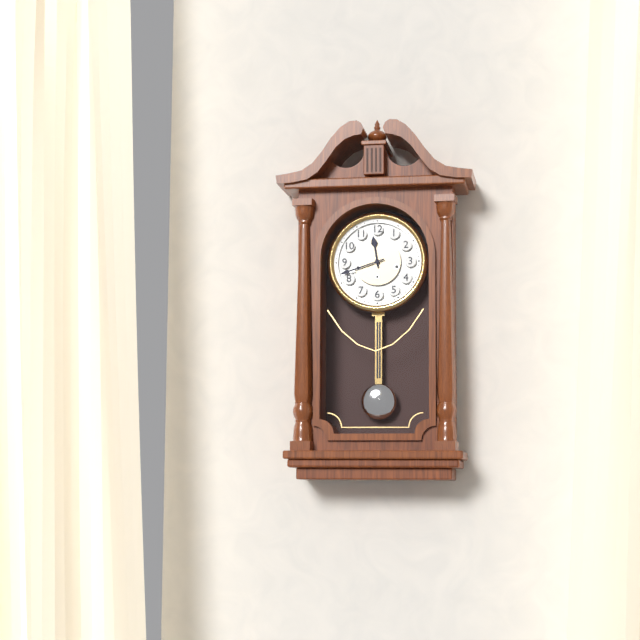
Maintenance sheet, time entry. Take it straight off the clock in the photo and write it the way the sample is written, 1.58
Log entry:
11.42
